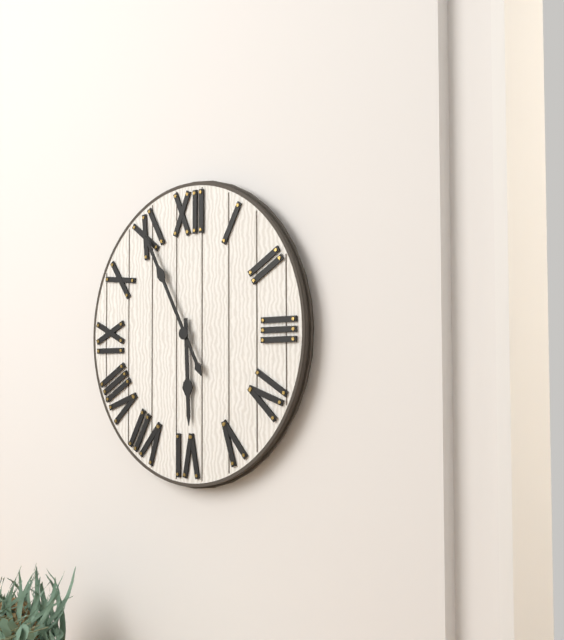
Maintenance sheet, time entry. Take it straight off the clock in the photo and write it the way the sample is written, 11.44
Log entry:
5.55
